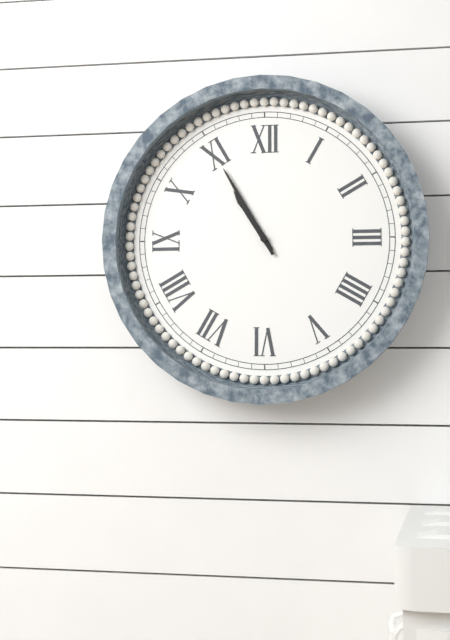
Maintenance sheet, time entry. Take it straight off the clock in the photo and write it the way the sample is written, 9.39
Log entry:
10.55
